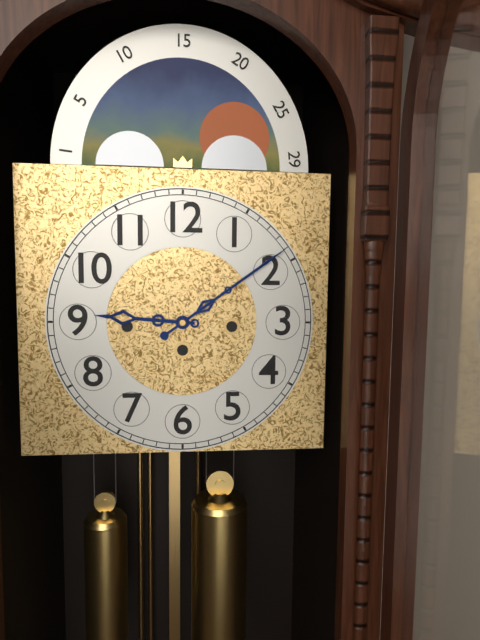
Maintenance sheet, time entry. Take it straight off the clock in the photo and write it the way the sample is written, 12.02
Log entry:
9.09
